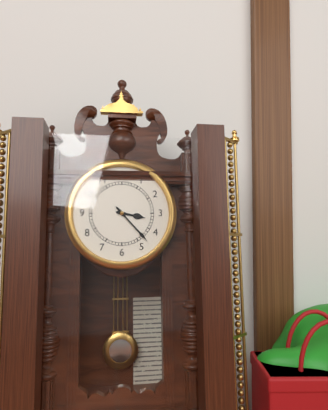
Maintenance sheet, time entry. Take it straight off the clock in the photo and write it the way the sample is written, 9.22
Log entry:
3.23
